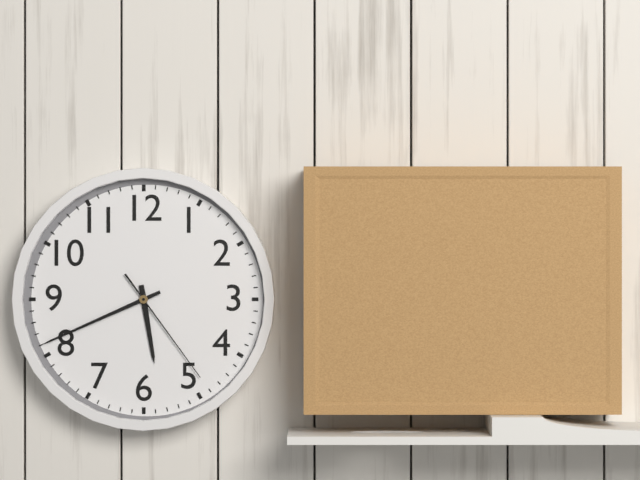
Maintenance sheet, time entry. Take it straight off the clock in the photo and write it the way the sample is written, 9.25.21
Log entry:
5.41.24
